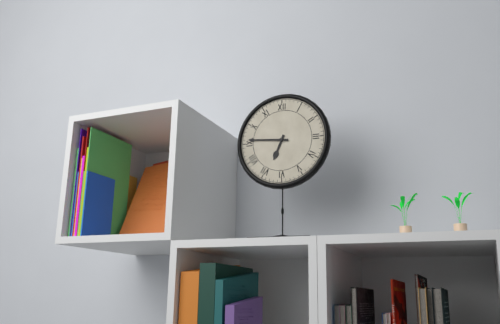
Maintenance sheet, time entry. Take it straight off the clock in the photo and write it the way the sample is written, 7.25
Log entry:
6.46
